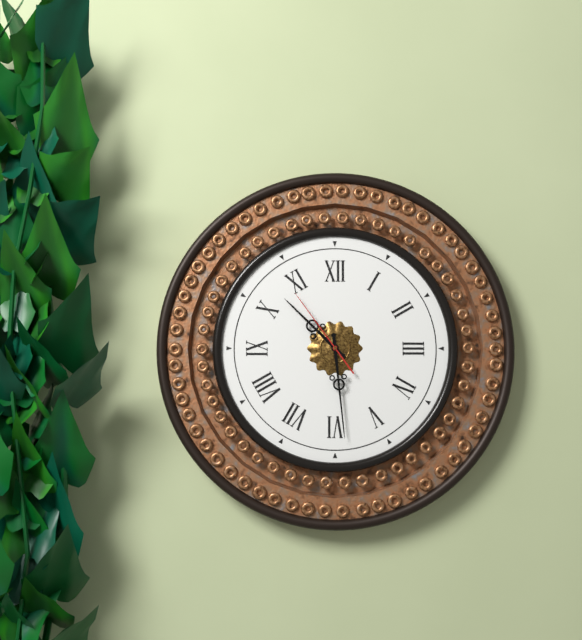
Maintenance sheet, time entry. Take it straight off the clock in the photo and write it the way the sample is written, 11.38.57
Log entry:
10.29.54
